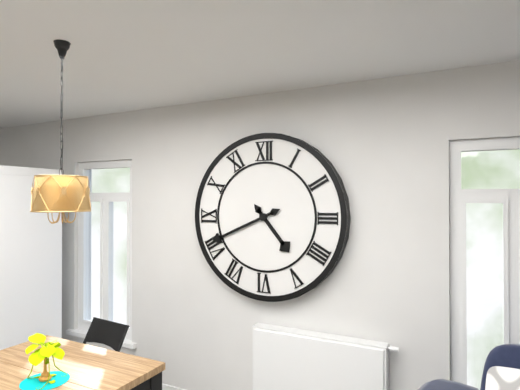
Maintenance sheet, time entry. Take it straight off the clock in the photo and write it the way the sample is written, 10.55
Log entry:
4.41
